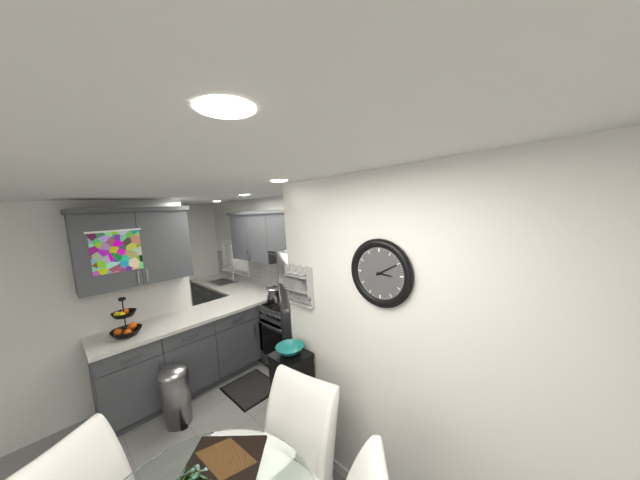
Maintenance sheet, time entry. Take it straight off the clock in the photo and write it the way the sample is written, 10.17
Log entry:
3.10
